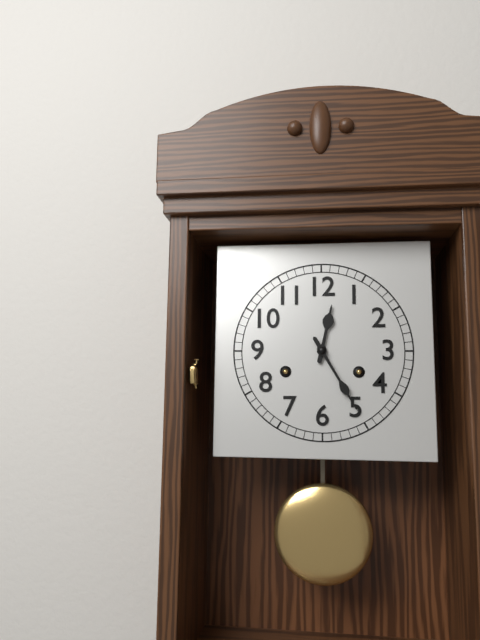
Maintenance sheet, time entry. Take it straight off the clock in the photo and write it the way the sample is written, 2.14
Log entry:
12.25
